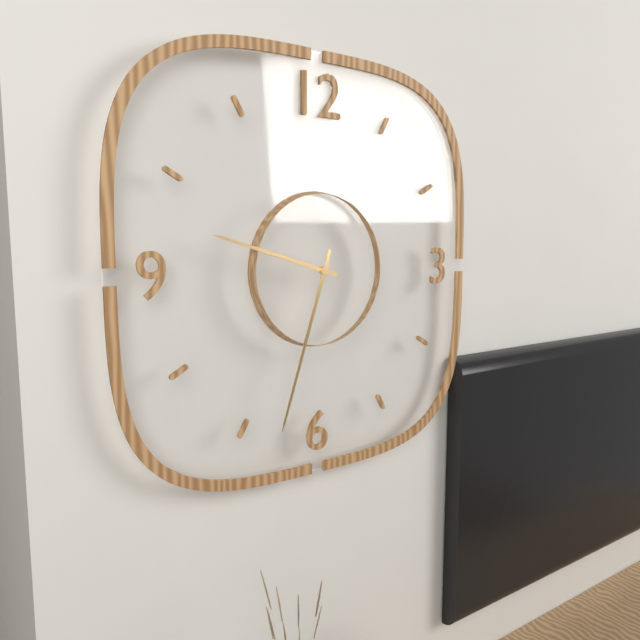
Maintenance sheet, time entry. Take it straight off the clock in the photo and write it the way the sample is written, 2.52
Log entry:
9.33
